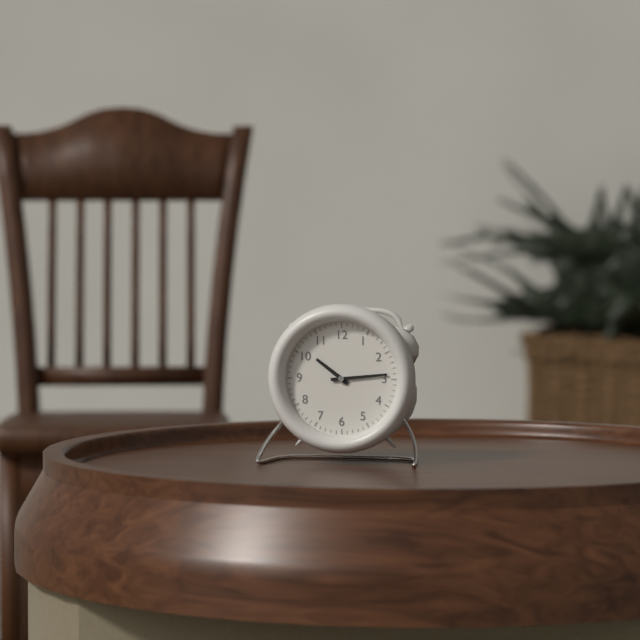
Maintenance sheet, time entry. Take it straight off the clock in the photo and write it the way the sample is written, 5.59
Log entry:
10.14
